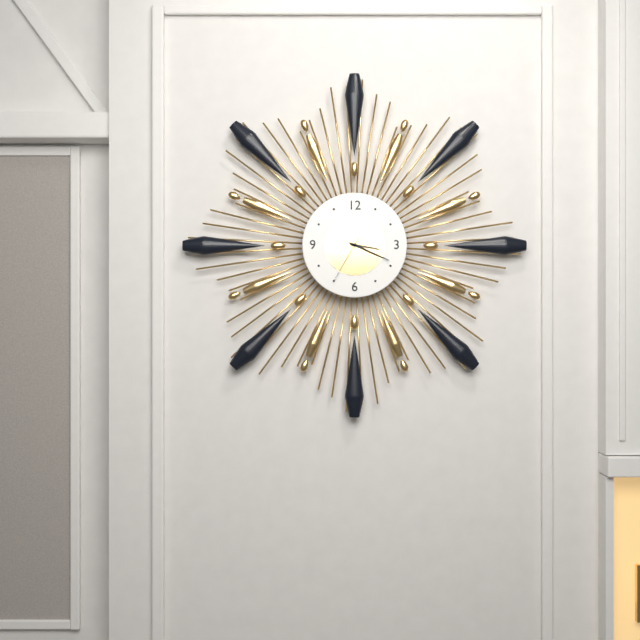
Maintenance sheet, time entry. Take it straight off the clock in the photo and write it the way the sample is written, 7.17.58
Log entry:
3.19.35
